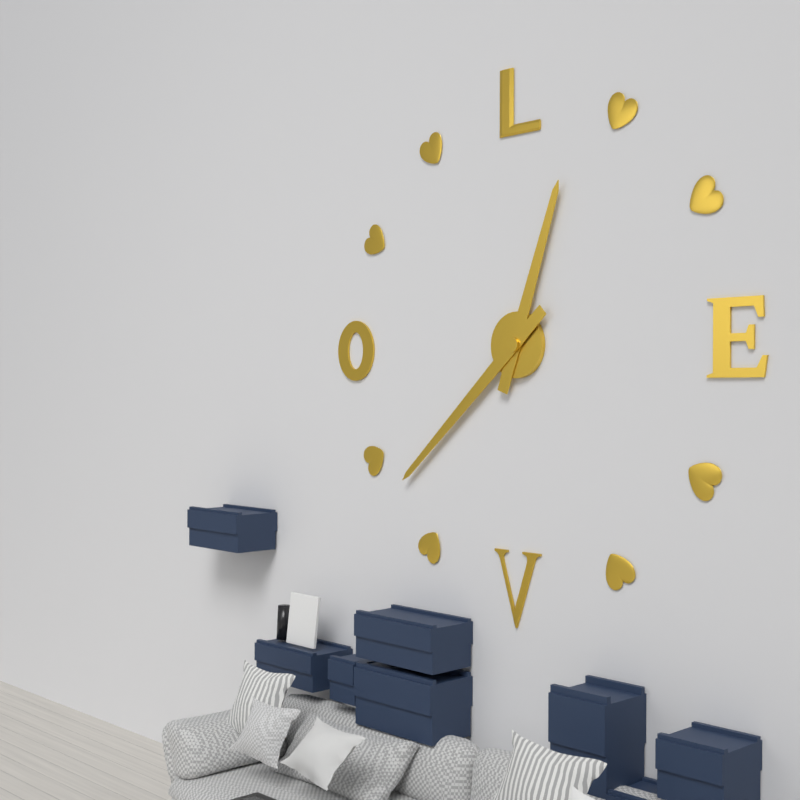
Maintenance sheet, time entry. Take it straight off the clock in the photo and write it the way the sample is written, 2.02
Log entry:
12.38
